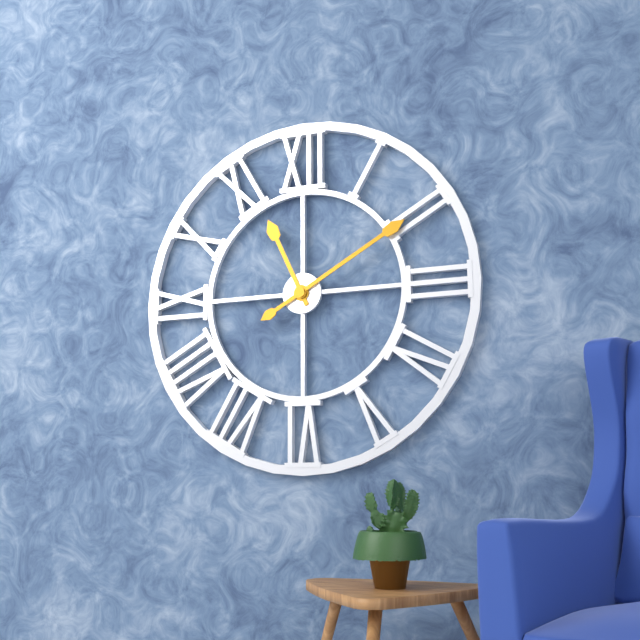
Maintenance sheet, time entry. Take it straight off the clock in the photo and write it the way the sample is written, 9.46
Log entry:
11.10
